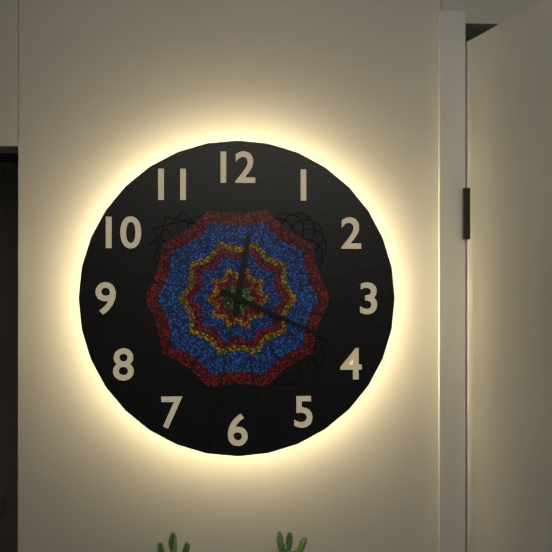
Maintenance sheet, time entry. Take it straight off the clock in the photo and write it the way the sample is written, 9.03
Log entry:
12.19
